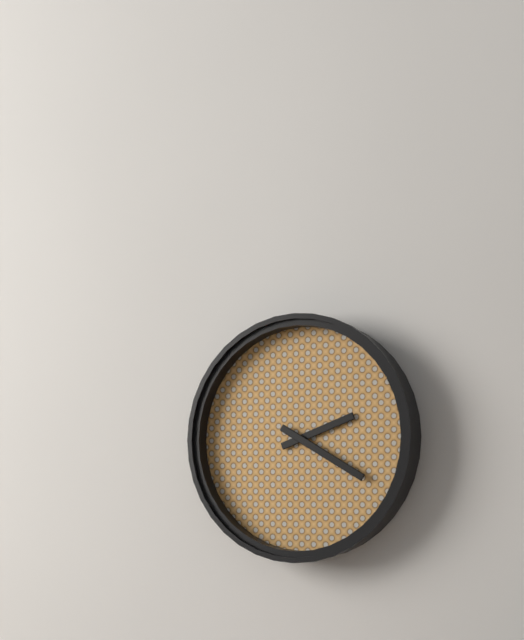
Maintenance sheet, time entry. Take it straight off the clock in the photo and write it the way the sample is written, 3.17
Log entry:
2.20
